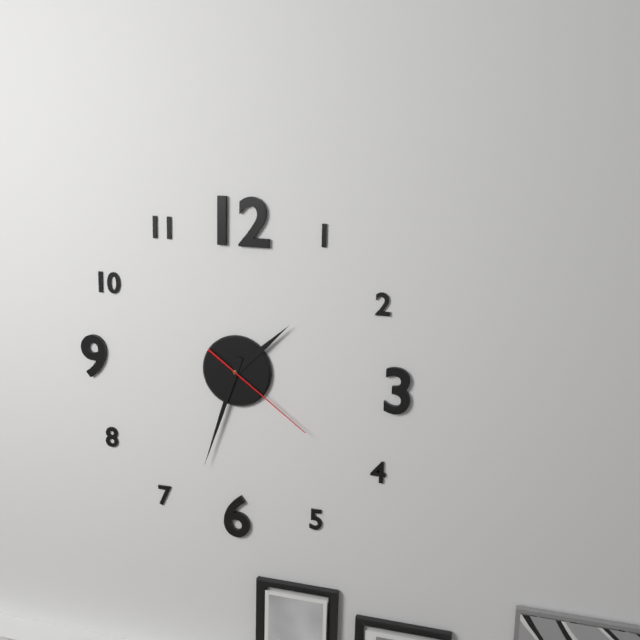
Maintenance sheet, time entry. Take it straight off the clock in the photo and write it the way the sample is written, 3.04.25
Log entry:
1.33.21
